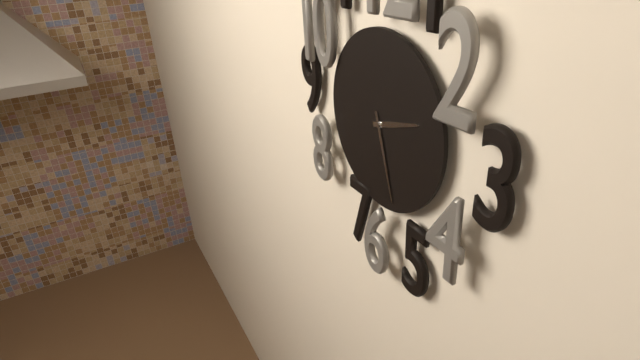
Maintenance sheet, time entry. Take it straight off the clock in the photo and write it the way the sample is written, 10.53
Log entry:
2.27
